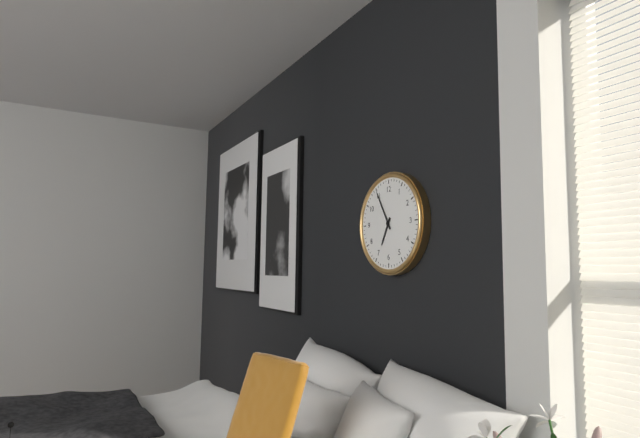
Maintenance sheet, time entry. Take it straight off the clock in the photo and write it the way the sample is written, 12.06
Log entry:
6.55
